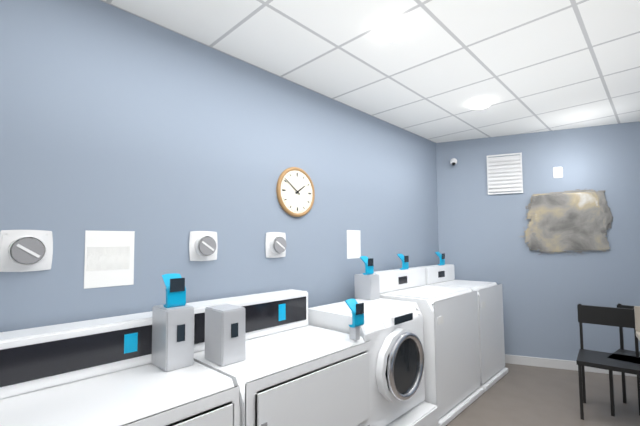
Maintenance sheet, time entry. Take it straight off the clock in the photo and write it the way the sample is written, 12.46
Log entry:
1.51
